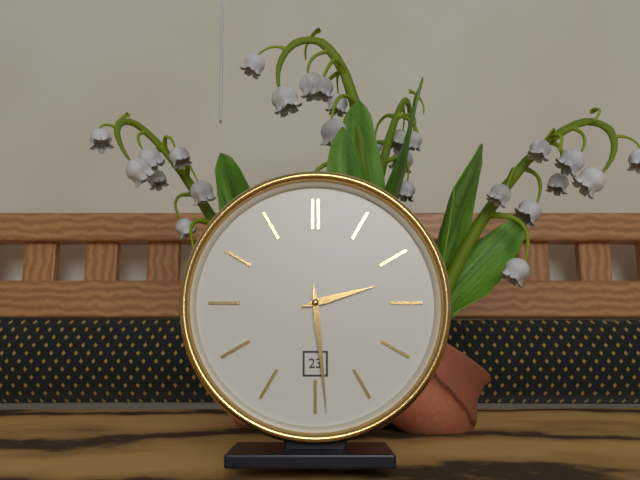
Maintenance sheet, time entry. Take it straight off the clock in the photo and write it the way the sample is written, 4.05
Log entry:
2.29
